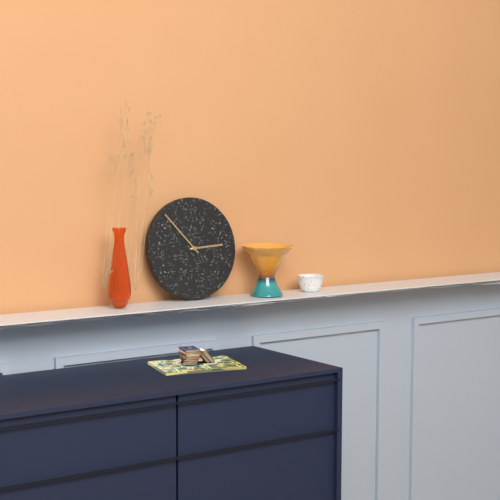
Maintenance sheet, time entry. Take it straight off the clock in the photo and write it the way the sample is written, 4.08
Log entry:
2.53
